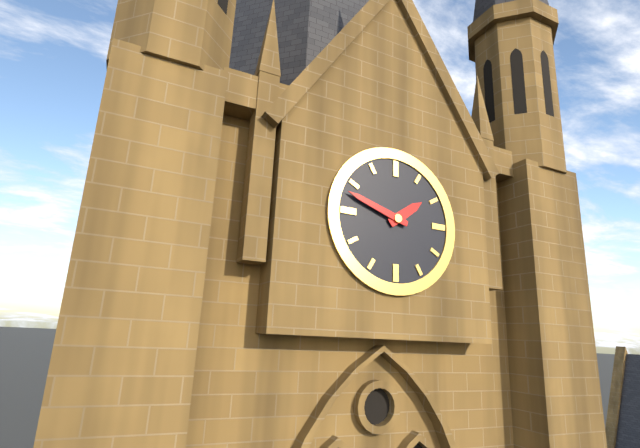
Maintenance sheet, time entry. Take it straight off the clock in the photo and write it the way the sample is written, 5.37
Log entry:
1.48
